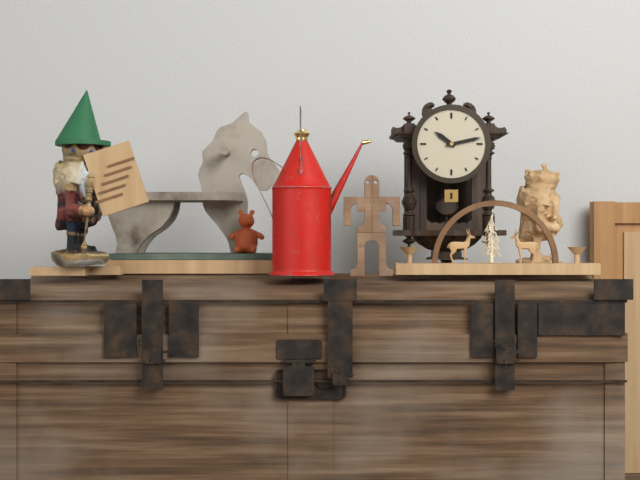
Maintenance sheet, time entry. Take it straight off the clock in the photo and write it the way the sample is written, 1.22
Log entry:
10.13
